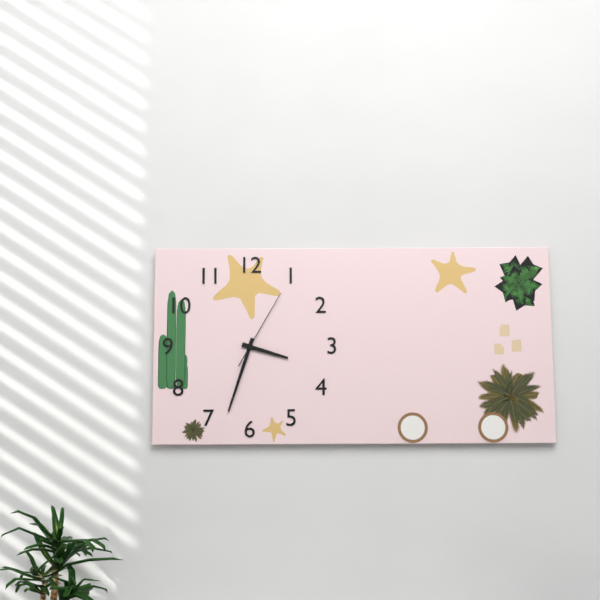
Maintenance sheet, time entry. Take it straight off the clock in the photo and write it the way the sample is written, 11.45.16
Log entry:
3.33.05
